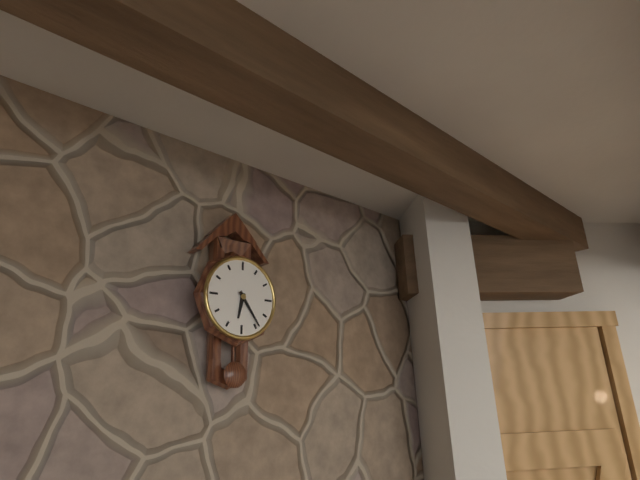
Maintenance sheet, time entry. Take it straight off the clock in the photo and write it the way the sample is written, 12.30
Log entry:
6.24
